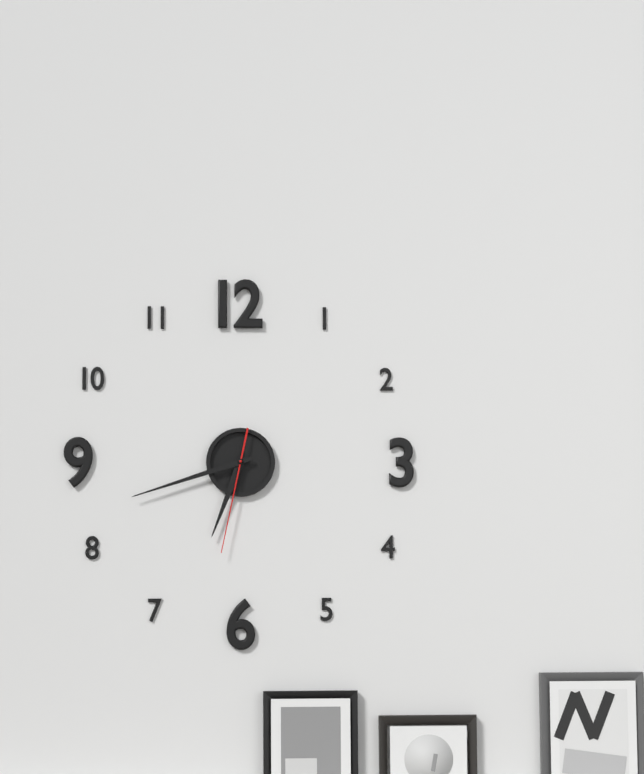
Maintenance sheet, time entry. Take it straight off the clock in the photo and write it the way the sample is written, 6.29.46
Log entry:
6.42.32
